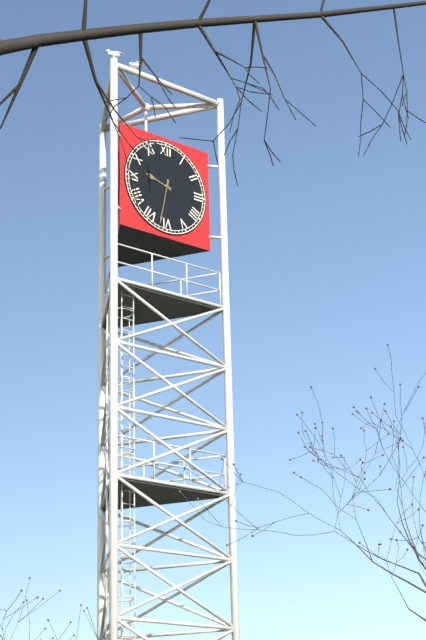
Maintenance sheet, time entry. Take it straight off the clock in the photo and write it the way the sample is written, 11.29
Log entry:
9.32
